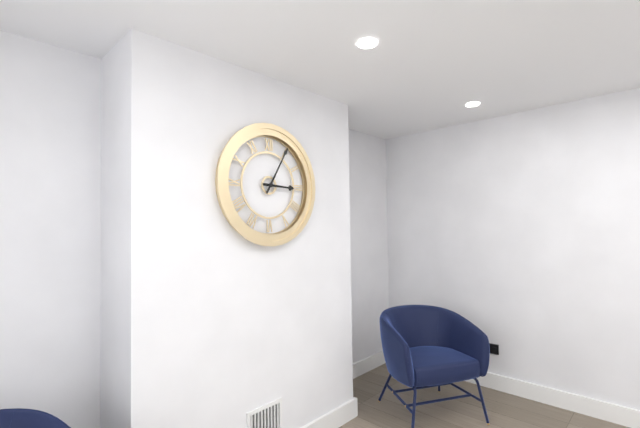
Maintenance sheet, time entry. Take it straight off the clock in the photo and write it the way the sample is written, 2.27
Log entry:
3.05
